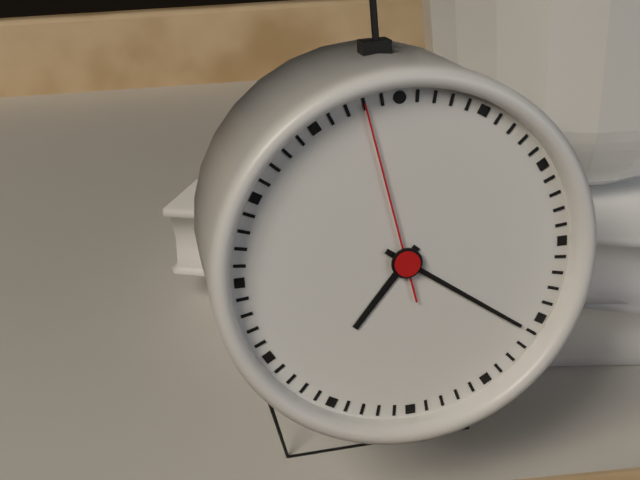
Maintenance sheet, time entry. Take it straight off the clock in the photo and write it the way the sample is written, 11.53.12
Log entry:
7.21.58
